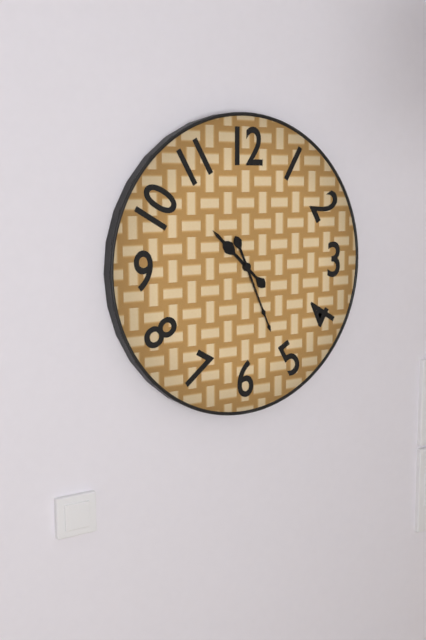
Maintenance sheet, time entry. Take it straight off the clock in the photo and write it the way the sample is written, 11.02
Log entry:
10.26
